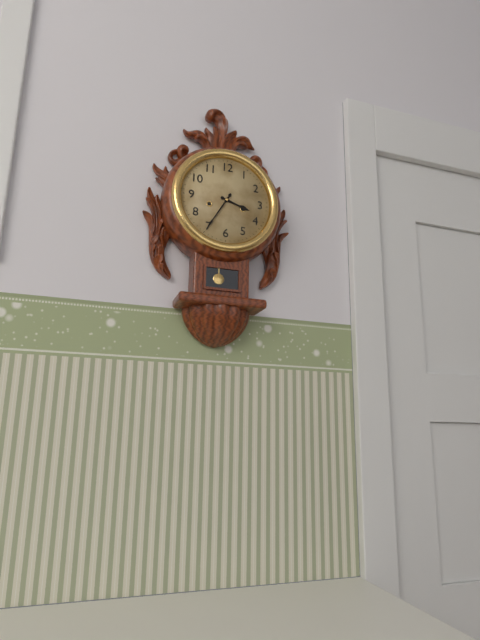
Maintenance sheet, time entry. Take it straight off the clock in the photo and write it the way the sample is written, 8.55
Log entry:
3.35
